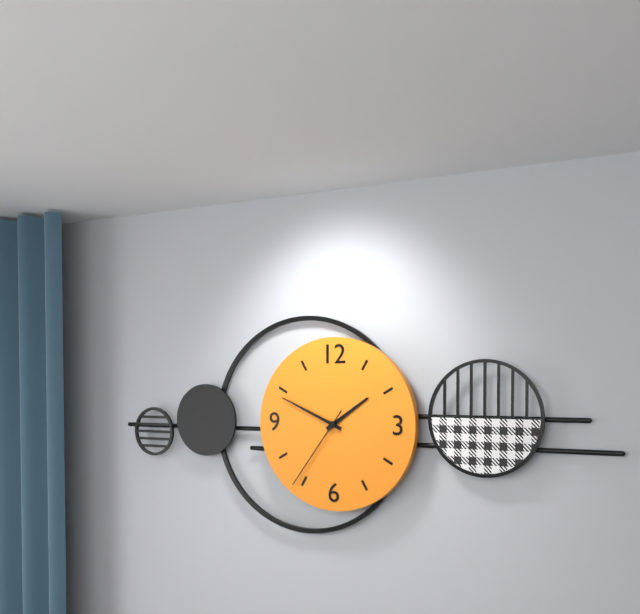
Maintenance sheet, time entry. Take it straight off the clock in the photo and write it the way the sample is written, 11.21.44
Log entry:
1.49.36
